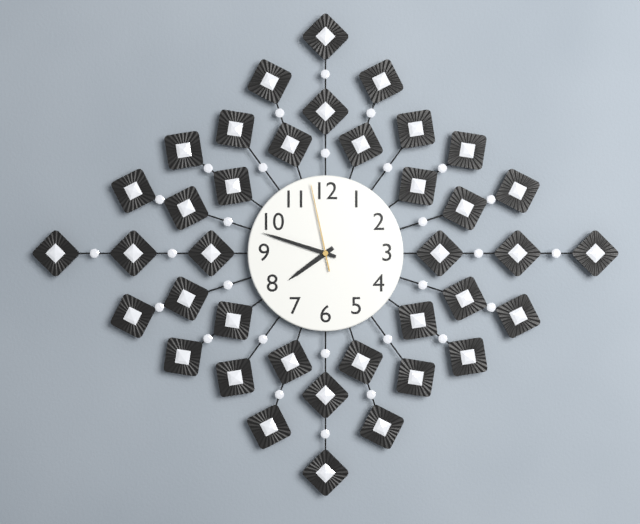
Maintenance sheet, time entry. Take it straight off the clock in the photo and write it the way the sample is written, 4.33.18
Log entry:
7.48.58
